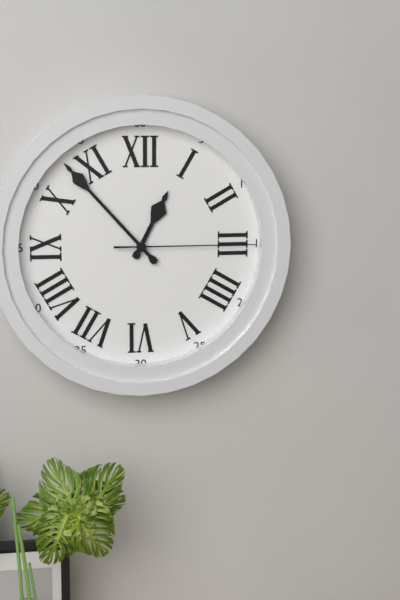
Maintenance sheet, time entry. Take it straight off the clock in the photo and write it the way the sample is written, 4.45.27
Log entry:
12.53.15
